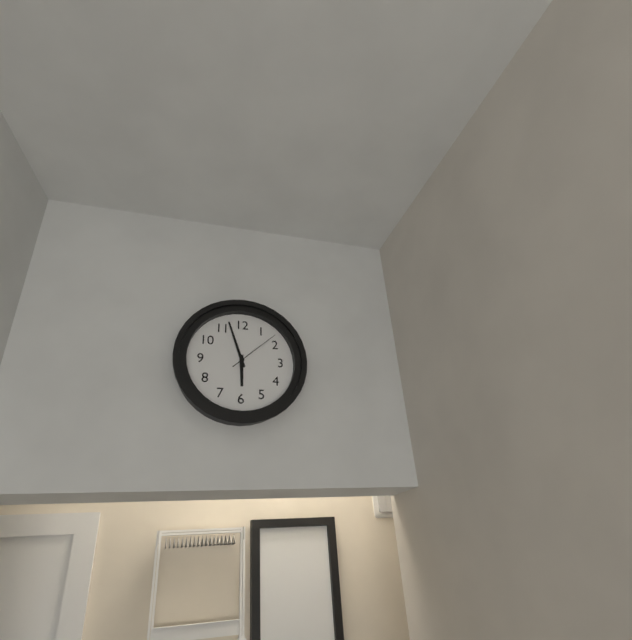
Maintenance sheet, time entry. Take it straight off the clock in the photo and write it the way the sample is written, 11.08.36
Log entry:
5.57.08
